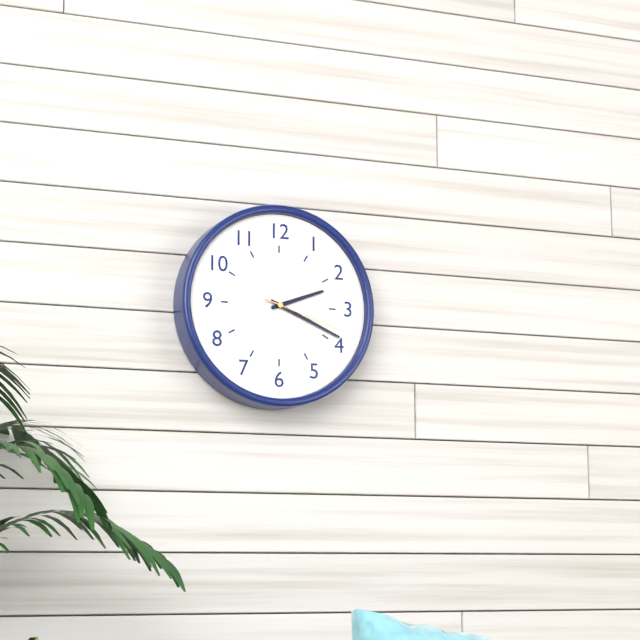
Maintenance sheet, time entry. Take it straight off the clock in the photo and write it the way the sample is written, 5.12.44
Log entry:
2.19.18
